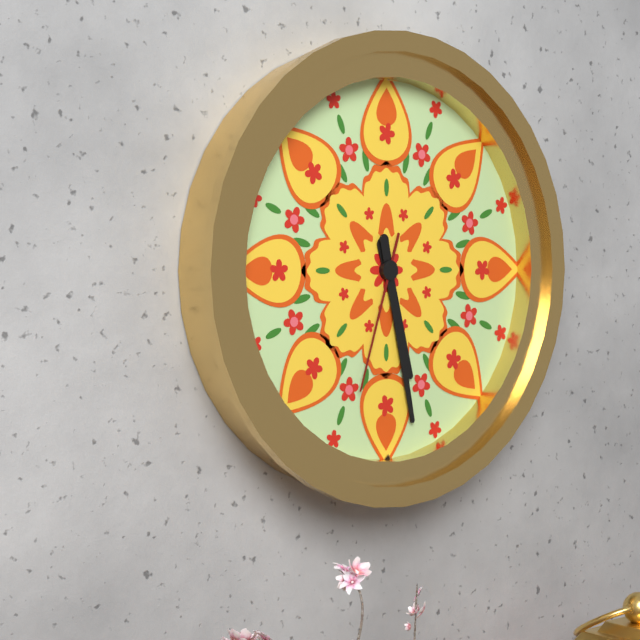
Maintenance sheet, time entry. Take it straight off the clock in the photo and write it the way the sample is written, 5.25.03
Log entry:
5.28.33
